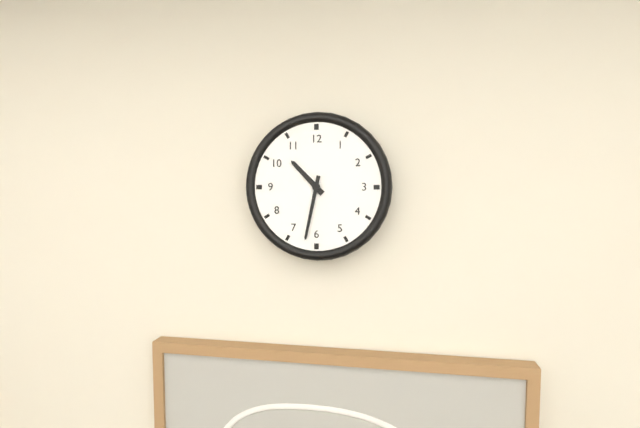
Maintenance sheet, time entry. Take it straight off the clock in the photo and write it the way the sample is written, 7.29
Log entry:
10.32
